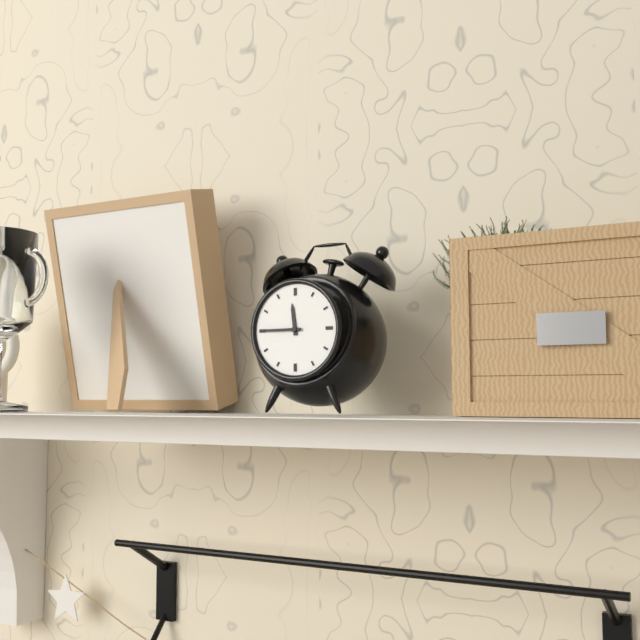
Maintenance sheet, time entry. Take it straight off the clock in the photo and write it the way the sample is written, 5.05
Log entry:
11.45
